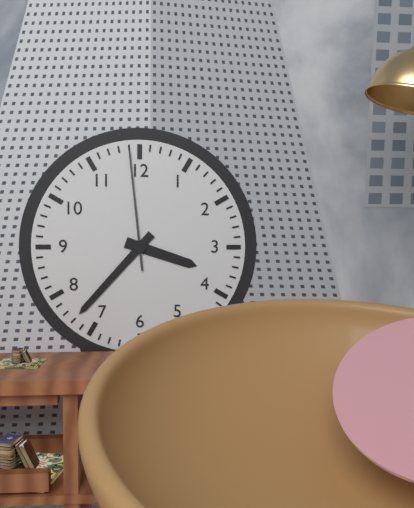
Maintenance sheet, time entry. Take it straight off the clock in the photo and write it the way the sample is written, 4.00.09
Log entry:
3.37.59
